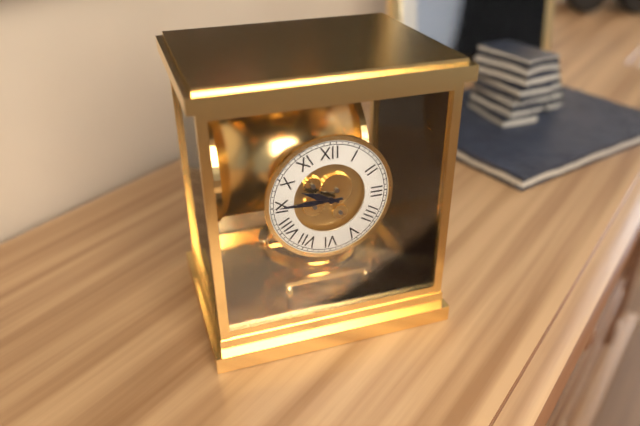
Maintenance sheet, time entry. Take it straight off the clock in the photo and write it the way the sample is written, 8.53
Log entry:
9.45
